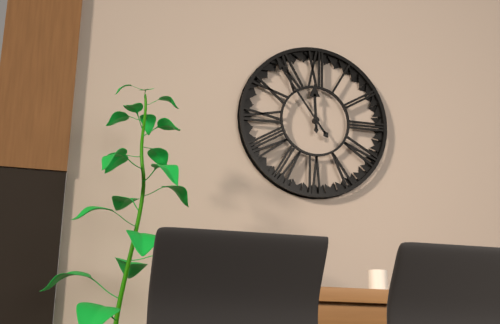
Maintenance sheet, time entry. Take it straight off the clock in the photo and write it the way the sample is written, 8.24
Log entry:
11.54
